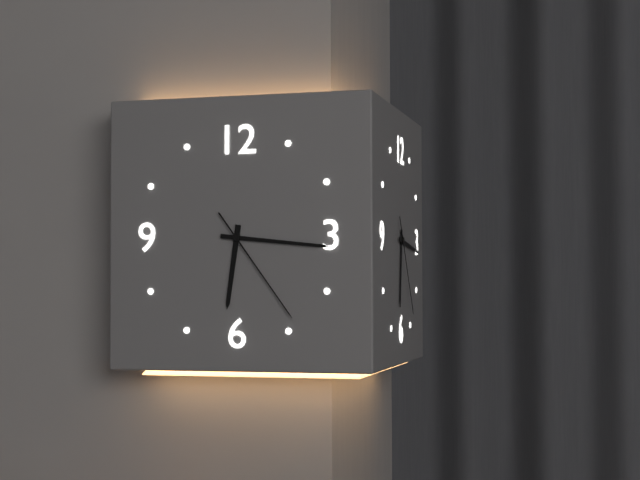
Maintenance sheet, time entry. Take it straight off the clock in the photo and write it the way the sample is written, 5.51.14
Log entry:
6.16.24
